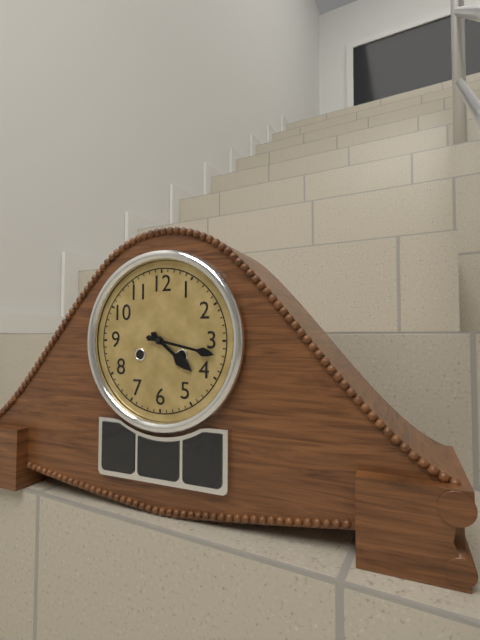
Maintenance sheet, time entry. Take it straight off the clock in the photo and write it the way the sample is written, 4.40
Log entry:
4.17
